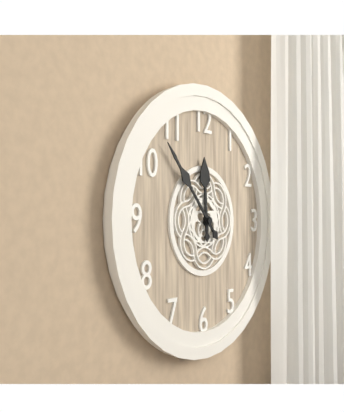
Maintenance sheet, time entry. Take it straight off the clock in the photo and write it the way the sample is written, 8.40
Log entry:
11.53
